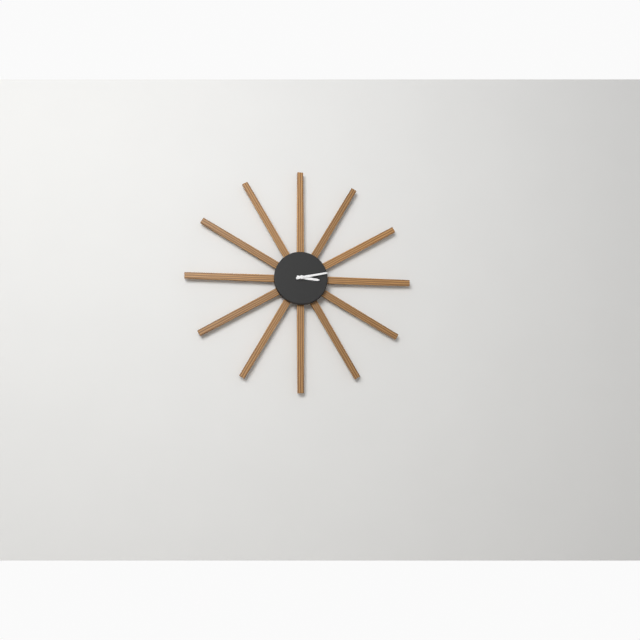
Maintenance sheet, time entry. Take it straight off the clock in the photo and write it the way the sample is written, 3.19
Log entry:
3.13
